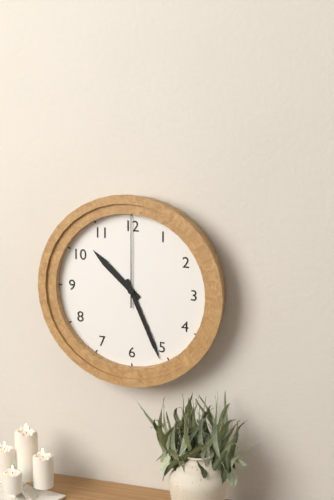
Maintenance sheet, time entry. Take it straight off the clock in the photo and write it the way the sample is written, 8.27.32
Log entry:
10.26.00
